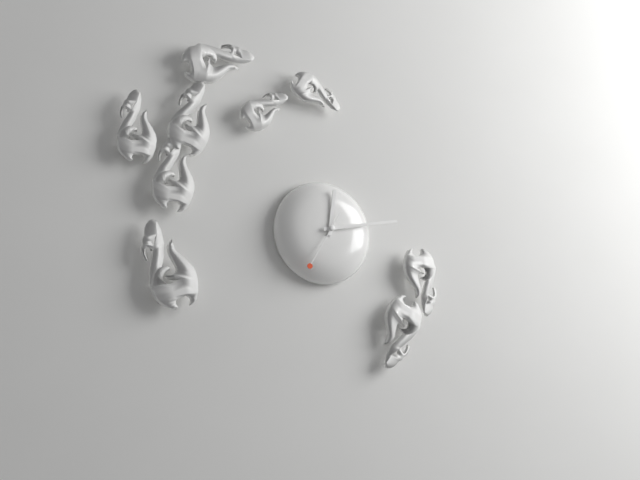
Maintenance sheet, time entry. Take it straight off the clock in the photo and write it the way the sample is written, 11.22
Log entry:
12.13
